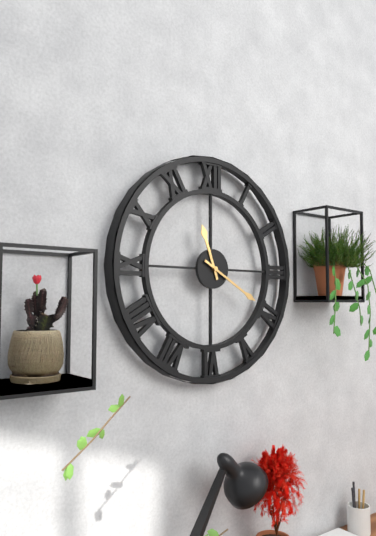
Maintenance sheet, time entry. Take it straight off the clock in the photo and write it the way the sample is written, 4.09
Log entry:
11.20
